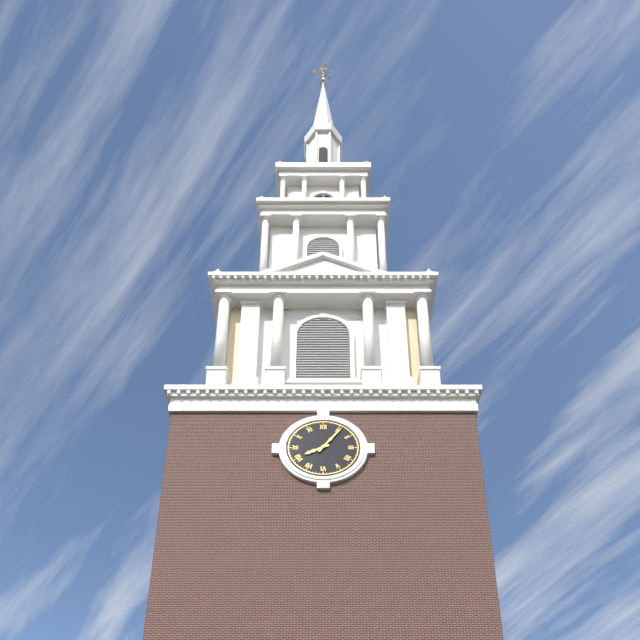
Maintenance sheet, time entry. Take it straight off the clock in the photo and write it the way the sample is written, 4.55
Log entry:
8.06
